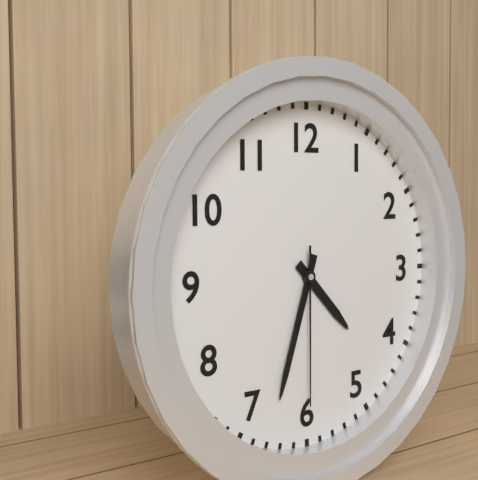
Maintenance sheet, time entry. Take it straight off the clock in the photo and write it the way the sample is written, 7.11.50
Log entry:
4.33.30
